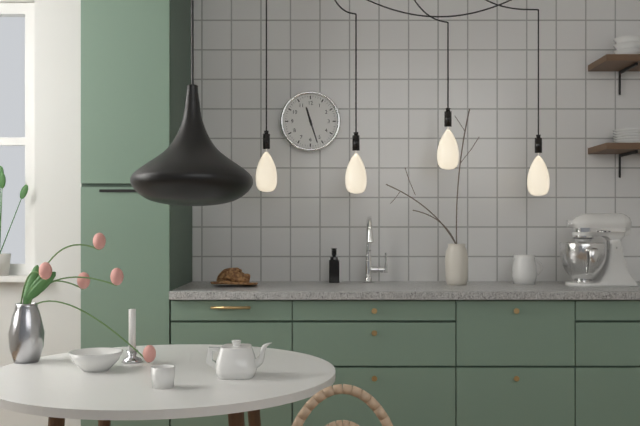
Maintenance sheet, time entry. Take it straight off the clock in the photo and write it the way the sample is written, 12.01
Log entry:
11.27
